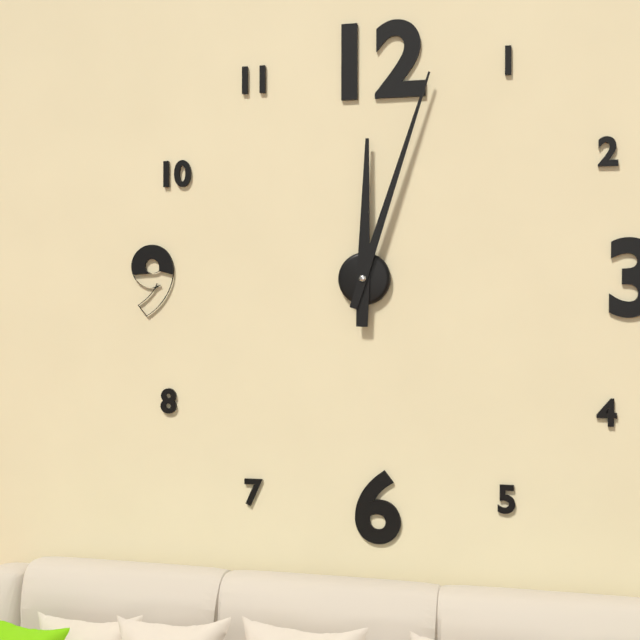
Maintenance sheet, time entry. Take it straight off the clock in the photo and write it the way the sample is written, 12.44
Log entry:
12.03
